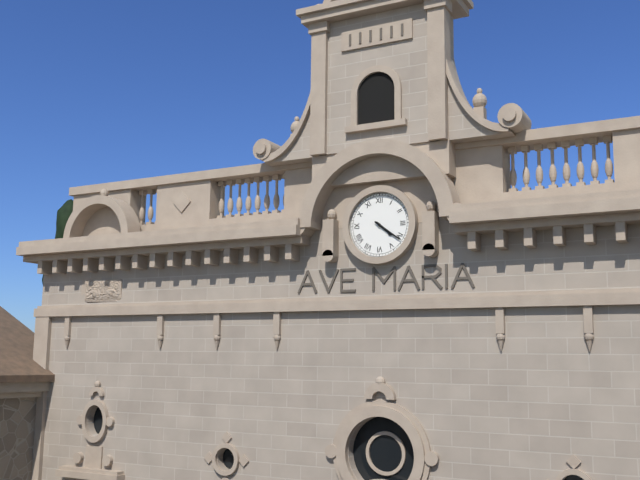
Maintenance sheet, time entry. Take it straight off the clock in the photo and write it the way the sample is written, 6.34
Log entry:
4.21
